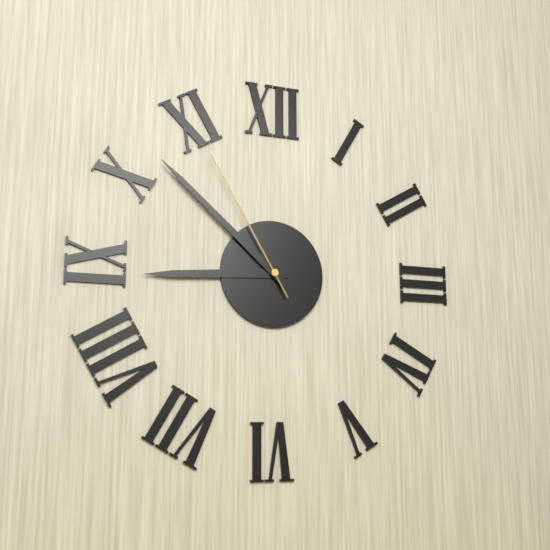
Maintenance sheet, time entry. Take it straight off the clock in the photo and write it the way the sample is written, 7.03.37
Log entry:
8.52.55
